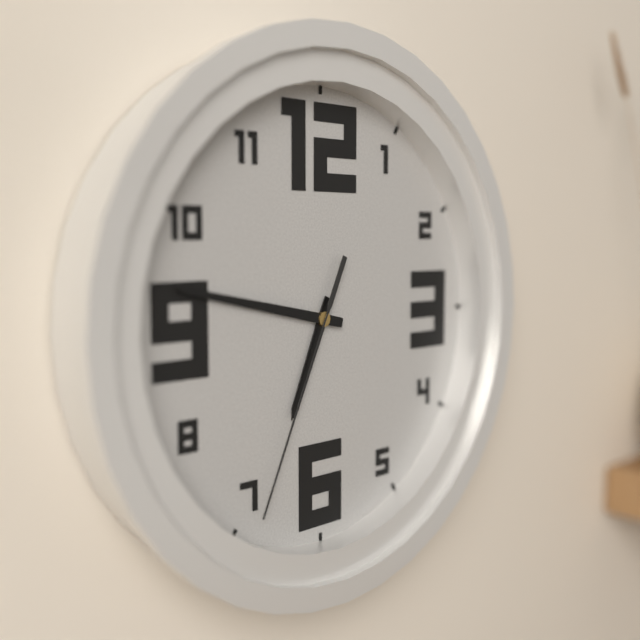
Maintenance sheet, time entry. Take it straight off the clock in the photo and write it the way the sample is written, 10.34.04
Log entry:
6.47.34
